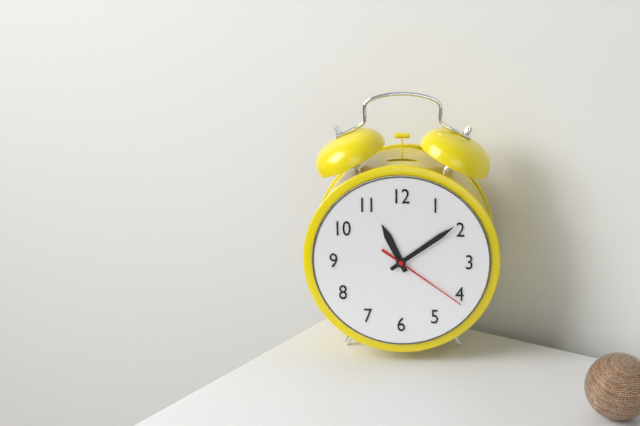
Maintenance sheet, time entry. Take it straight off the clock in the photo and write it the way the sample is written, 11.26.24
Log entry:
11.09.21
